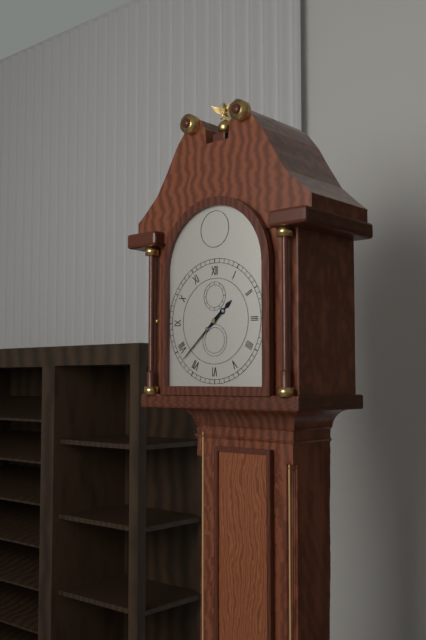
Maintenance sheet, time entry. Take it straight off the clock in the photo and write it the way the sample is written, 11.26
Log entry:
1.38
